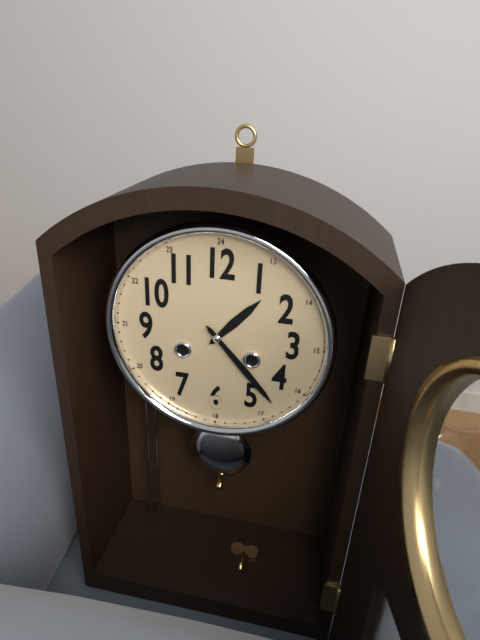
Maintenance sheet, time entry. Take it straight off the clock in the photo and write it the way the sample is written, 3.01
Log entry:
1.23
